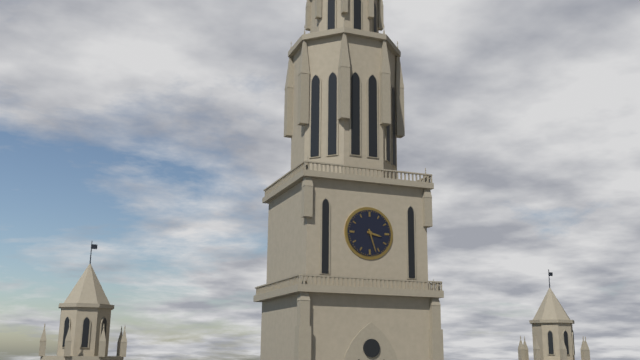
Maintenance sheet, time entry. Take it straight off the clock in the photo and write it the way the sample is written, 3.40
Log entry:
3.27
